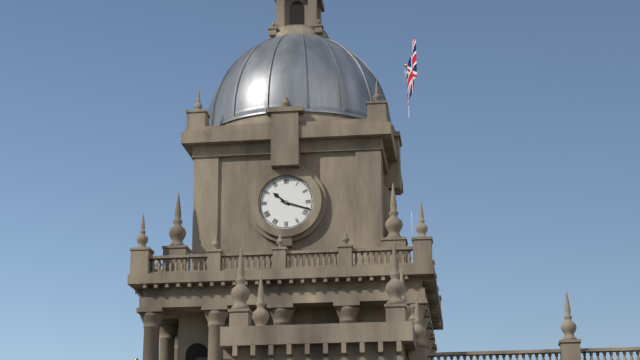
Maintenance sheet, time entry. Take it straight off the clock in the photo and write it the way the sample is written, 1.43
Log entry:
10.18
